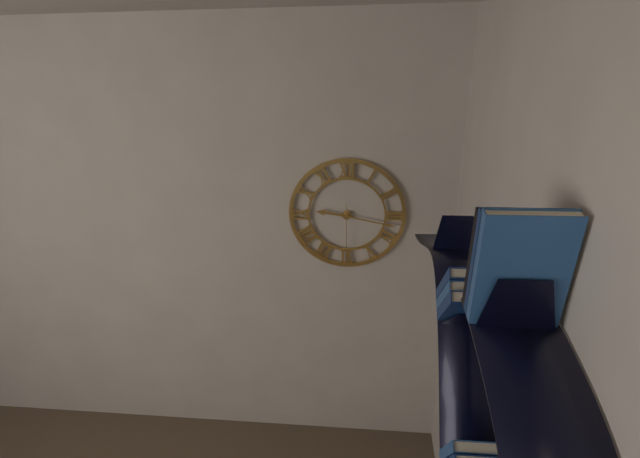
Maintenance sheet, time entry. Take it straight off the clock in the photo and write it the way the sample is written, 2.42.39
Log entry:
9.17.30
